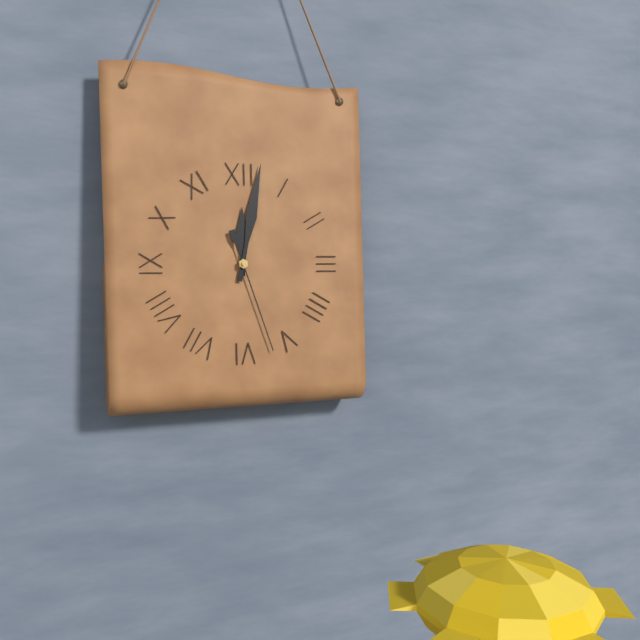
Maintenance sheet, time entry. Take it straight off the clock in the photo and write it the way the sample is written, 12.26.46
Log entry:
12.02.27
